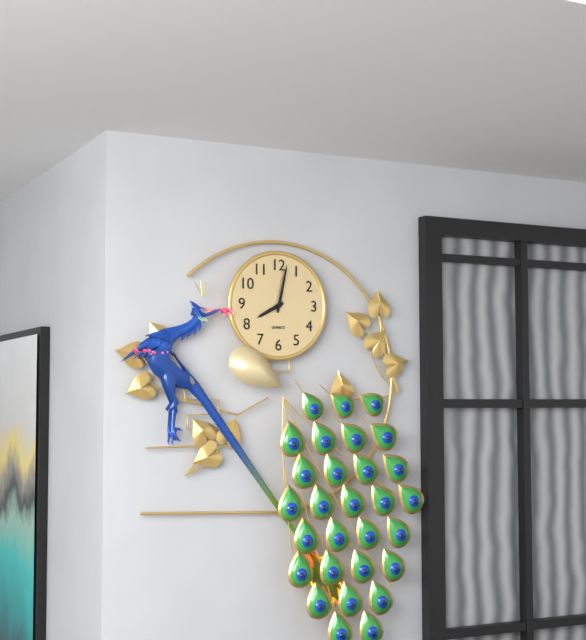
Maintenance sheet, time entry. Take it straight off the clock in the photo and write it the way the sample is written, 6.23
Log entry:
8.02
